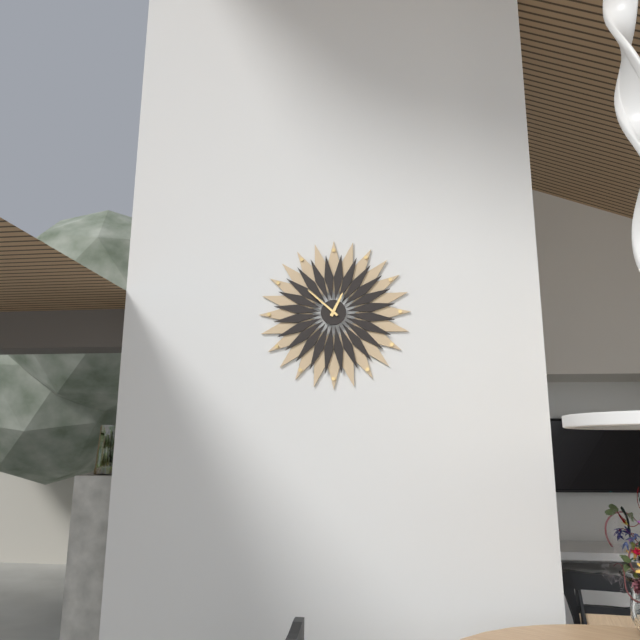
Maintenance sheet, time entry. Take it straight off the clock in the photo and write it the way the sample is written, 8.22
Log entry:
12.52
